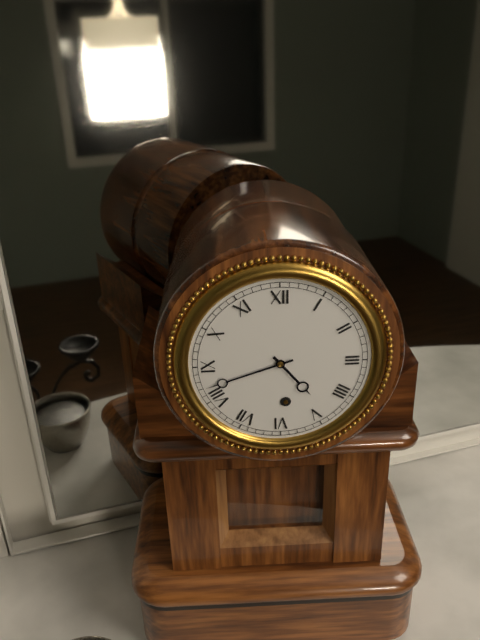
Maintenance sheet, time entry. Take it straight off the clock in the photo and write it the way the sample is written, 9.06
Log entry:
4.42
